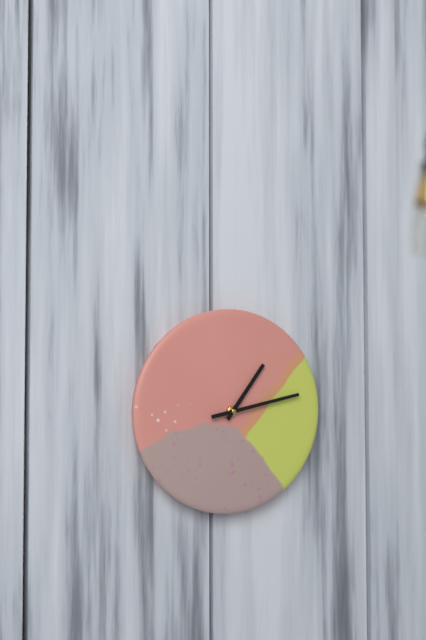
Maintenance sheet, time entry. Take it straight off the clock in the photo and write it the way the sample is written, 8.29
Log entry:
1.13
